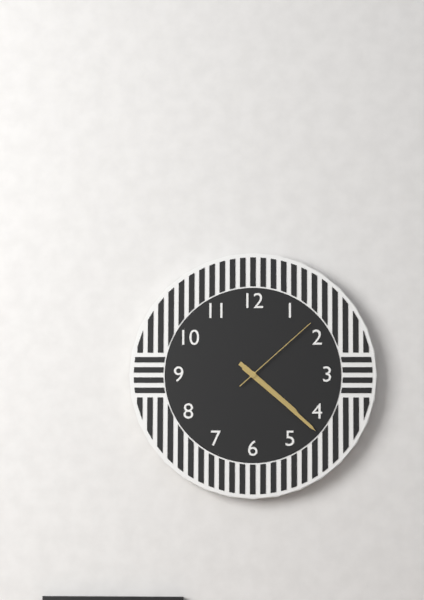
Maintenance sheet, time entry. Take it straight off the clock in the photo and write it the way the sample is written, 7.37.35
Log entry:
4.22.08
